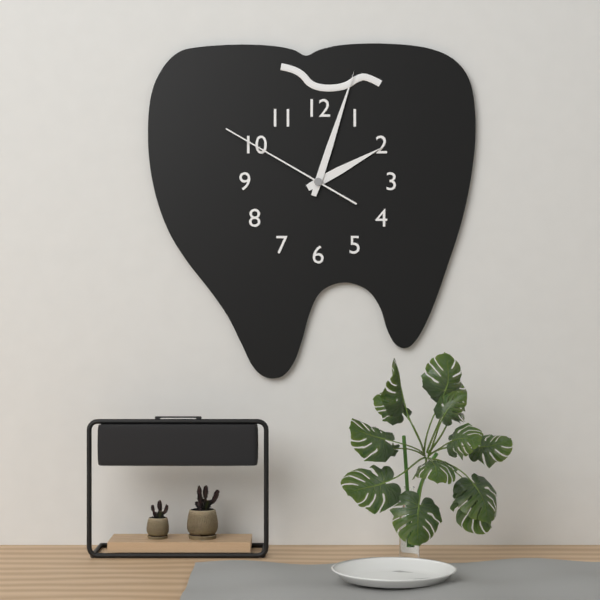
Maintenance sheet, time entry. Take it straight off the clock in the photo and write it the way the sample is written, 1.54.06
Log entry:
2.03.50
